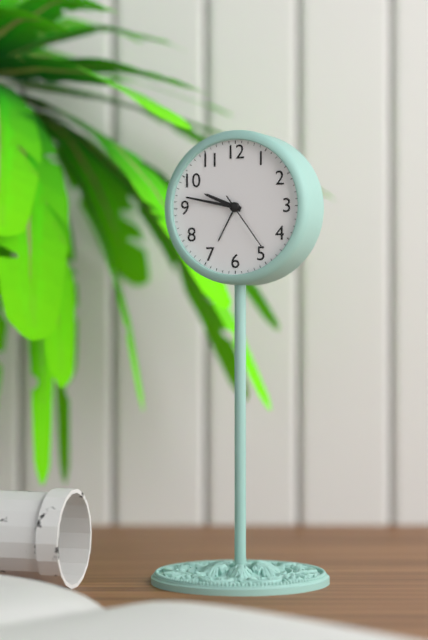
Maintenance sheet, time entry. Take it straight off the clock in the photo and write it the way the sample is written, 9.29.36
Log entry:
9.47.24
